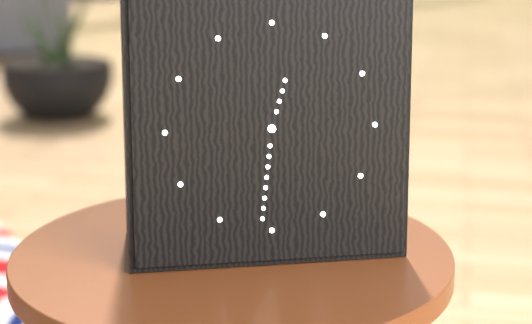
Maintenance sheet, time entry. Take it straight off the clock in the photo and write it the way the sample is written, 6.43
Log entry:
12.31
